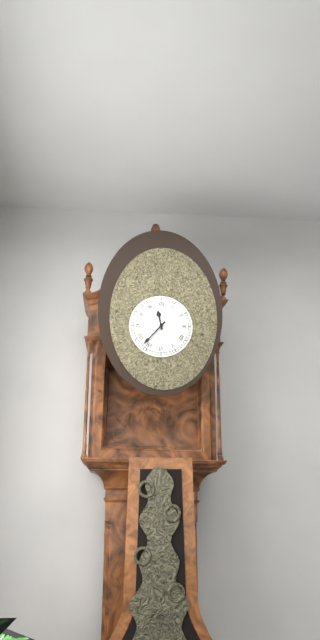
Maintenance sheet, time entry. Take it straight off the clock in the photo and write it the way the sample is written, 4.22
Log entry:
11.37
